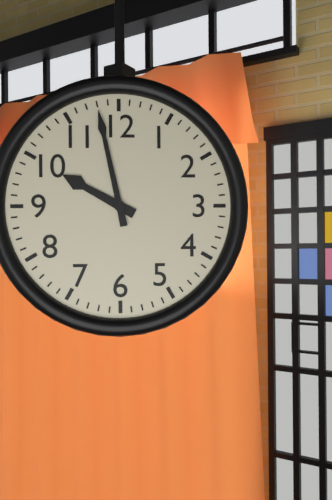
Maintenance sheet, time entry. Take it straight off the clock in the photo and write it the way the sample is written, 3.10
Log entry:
9.58
